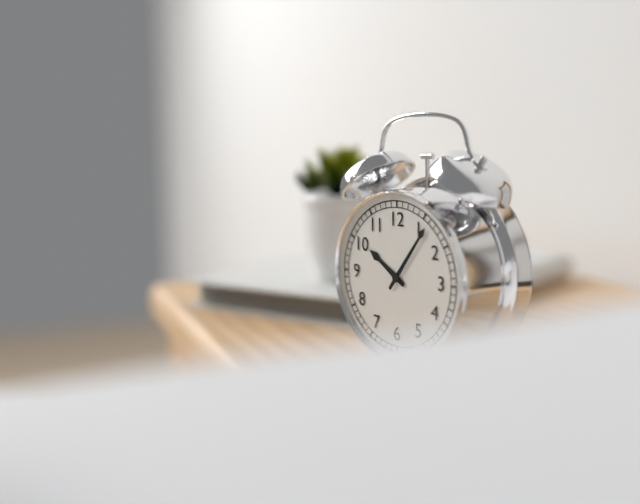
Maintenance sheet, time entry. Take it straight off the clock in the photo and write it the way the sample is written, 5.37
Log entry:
10.06
